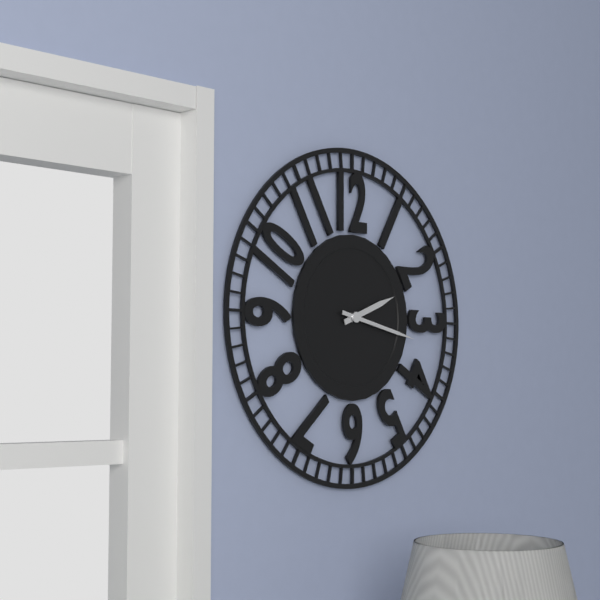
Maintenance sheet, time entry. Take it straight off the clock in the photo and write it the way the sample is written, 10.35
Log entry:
2.17
